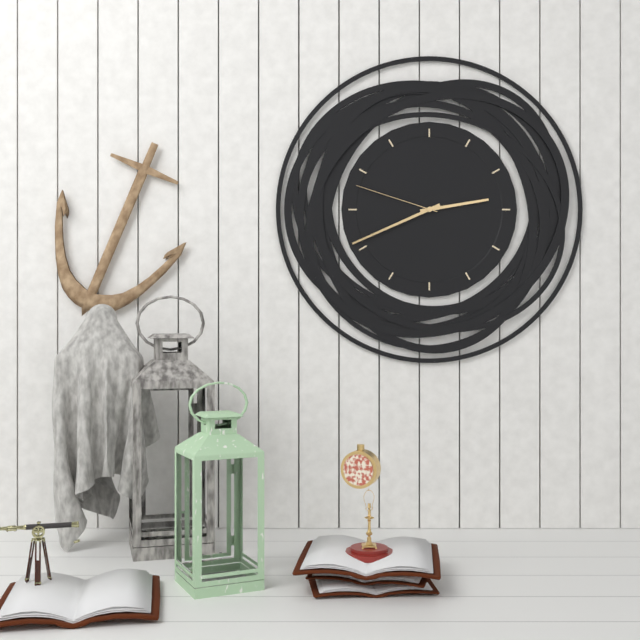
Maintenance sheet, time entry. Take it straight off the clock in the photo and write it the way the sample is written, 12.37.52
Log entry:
2.41.48
